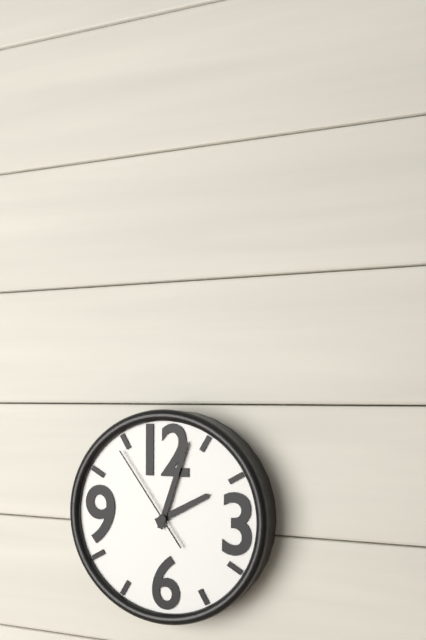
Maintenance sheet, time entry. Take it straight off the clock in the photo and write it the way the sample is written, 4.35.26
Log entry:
2.03.54
